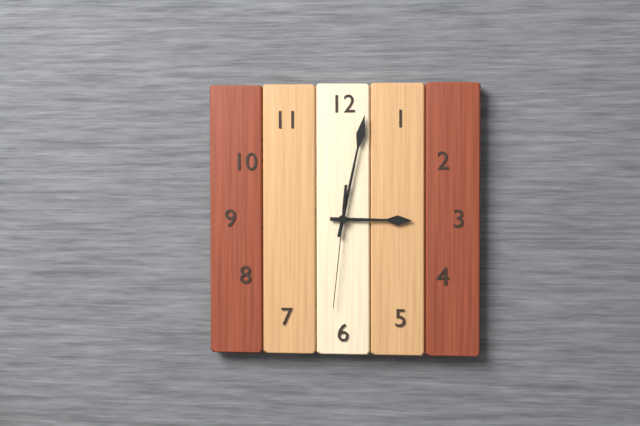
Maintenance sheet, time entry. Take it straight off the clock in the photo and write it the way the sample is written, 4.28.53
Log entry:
3.02.31
